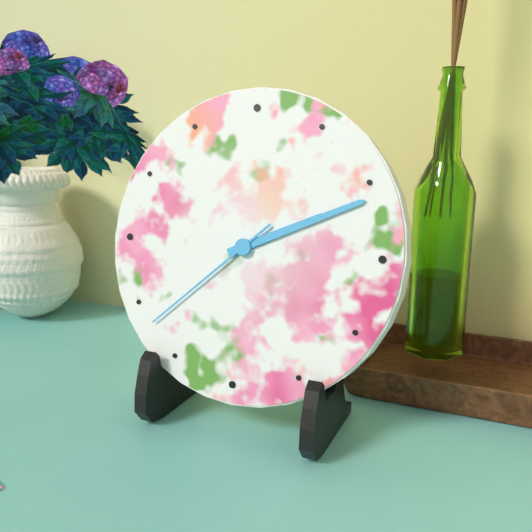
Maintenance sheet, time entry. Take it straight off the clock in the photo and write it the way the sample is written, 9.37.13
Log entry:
2.11.38
